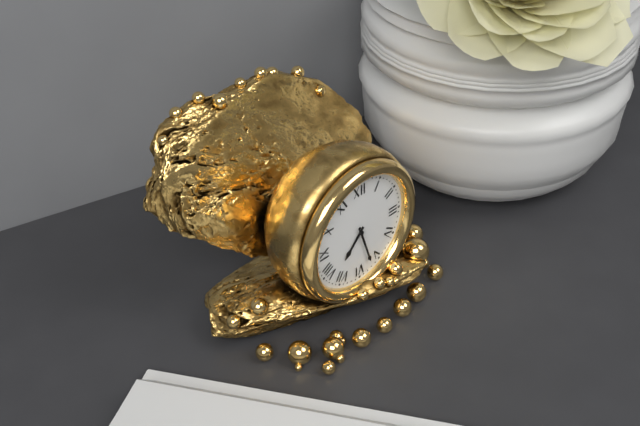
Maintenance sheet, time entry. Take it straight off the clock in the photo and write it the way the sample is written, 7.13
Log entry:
7.27
